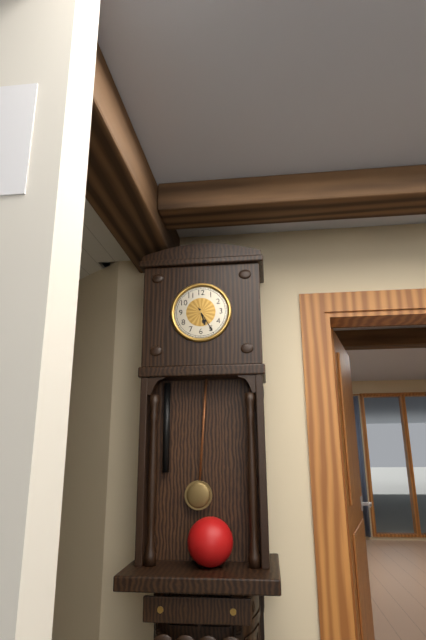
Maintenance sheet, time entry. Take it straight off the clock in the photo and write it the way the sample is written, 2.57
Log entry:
5.25
